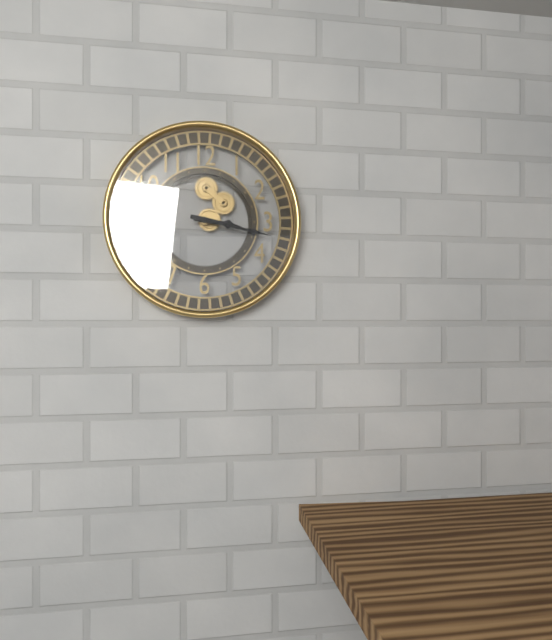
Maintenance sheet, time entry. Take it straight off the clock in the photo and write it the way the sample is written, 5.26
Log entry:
3.17
